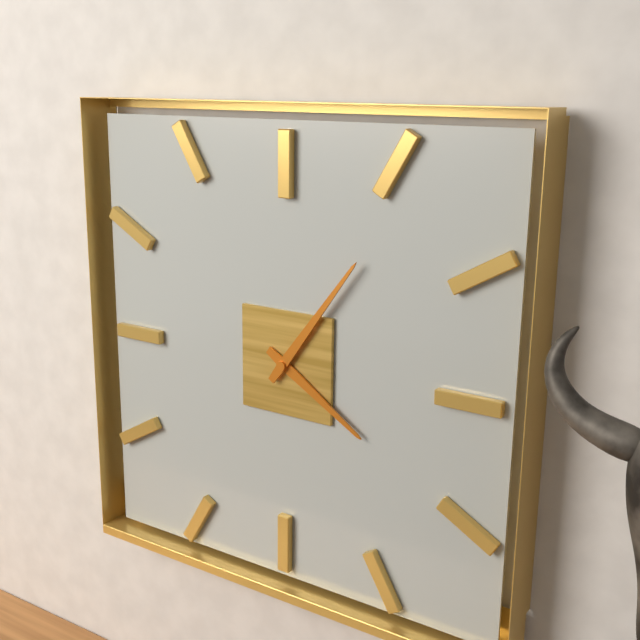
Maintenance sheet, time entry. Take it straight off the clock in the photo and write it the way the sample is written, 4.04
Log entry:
4.06
